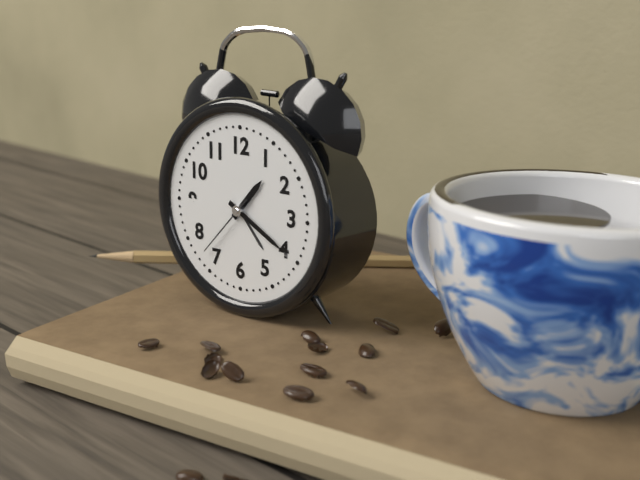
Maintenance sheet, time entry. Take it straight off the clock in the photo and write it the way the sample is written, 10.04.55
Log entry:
1.20.37
